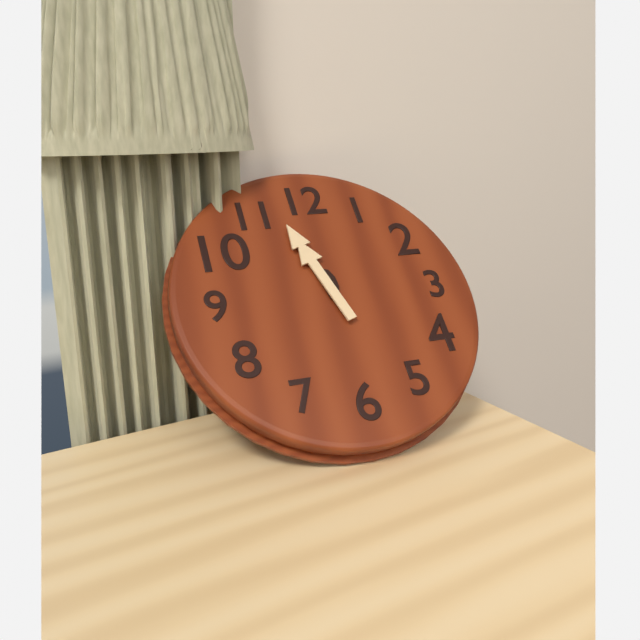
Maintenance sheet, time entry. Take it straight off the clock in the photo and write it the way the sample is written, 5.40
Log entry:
11.57
